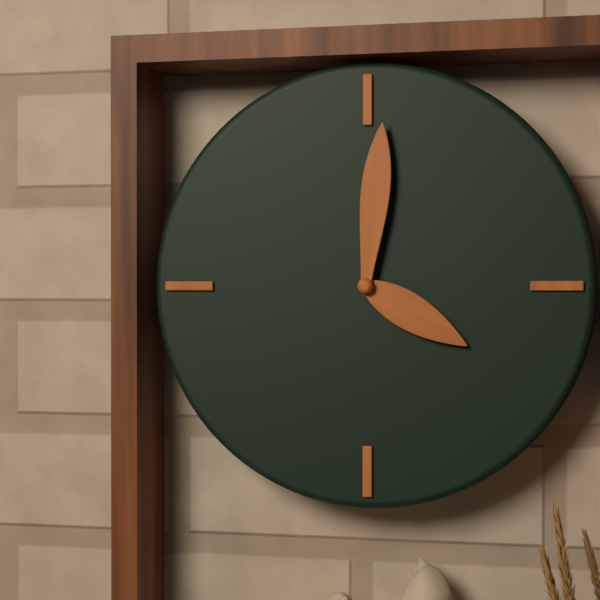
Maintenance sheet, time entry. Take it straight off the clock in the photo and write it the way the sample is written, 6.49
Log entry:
4.01
